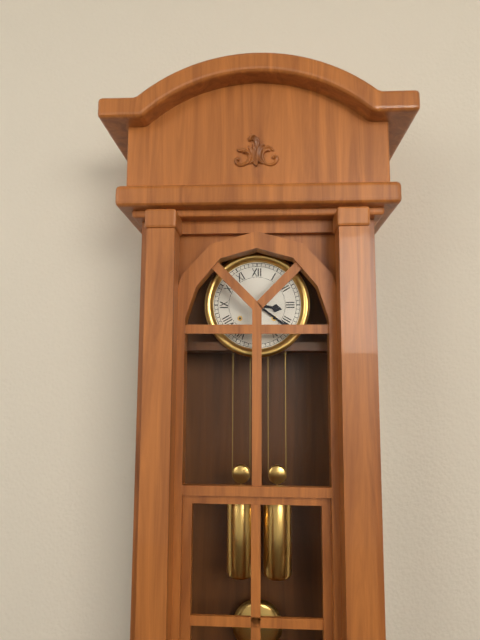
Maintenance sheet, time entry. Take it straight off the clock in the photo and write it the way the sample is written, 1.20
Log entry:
3.21
